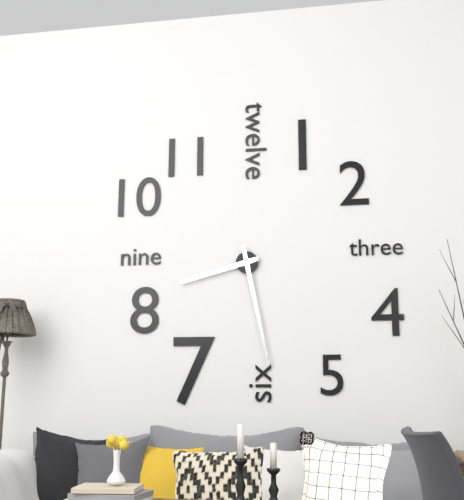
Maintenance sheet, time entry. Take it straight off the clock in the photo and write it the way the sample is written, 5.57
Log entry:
8.28
